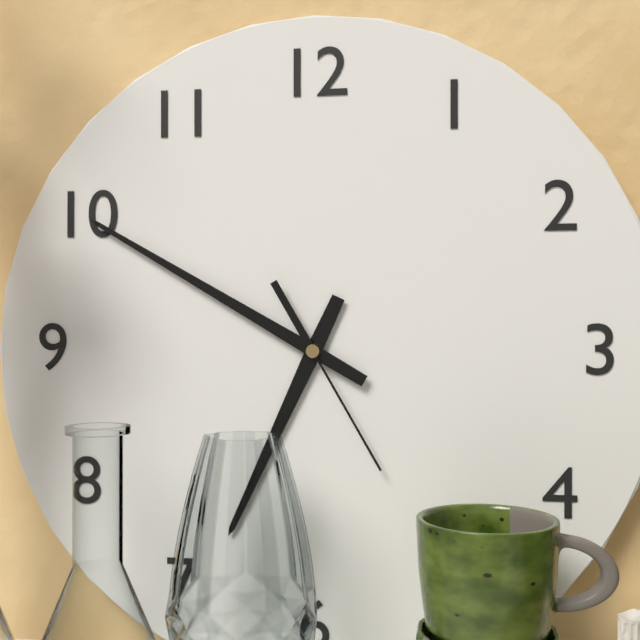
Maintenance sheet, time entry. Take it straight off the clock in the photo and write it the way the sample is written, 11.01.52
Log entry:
6.50.25
